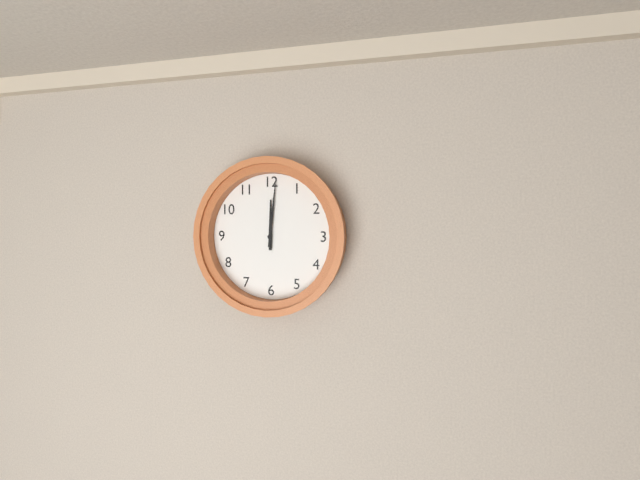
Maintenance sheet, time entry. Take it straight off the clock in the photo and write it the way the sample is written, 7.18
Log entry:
12.01
